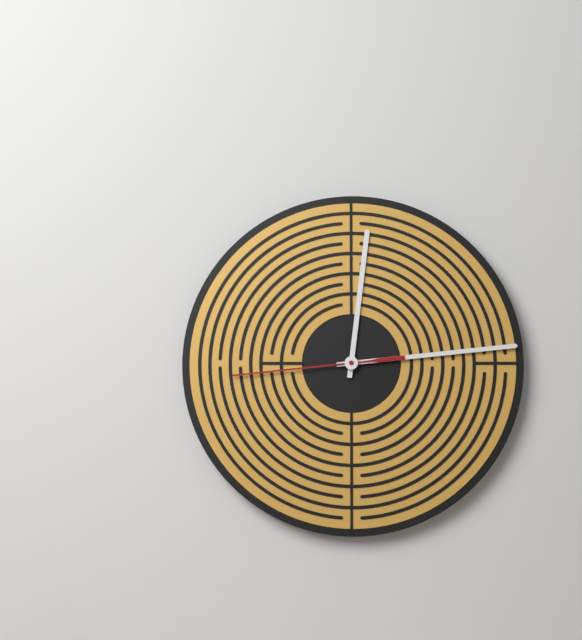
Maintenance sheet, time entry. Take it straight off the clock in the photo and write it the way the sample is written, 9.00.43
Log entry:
12.14.44
